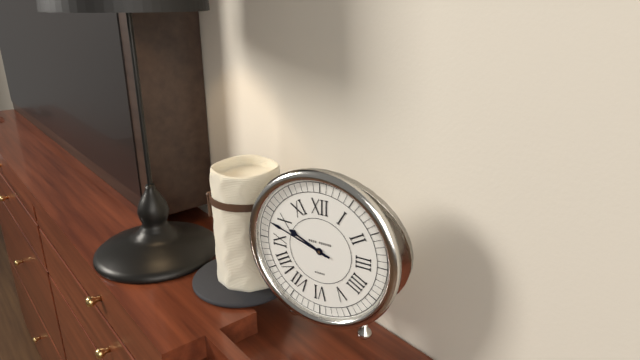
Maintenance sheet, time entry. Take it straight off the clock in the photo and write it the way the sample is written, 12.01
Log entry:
9.48
